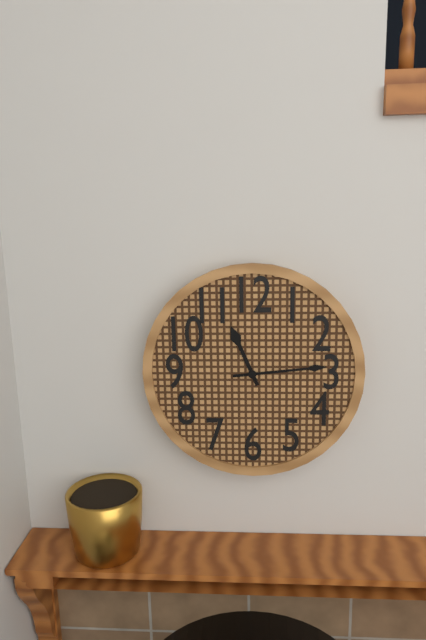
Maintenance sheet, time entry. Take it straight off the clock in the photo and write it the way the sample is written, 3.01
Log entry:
11.14
